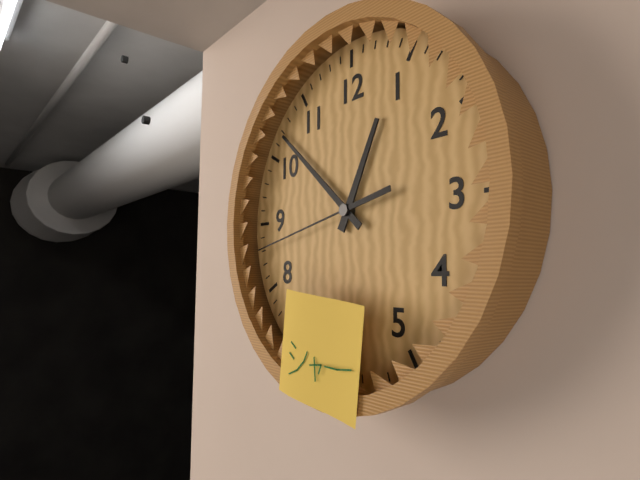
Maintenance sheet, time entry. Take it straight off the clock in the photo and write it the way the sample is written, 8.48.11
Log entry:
12.52.43
